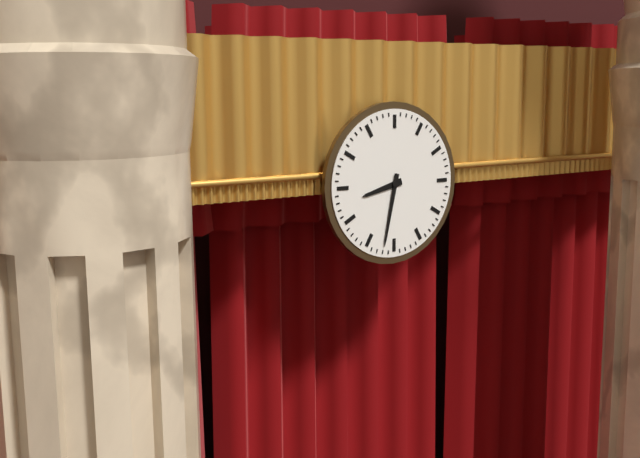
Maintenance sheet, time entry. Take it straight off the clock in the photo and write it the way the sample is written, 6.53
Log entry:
8.32
